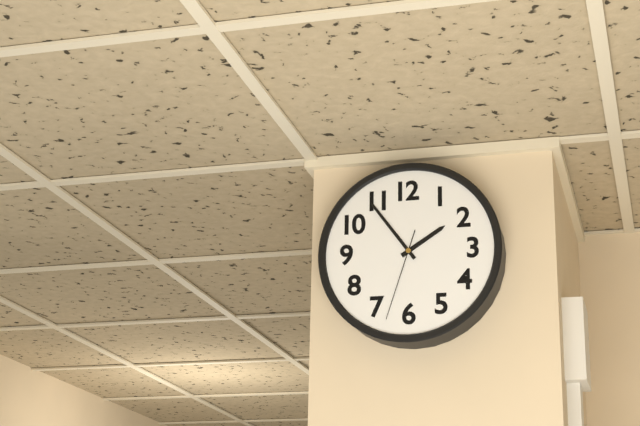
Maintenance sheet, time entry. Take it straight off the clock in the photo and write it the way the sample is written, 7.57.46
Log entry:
1.54.33
